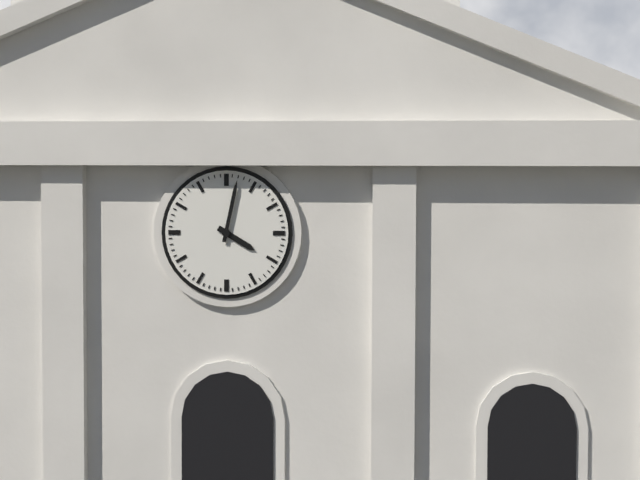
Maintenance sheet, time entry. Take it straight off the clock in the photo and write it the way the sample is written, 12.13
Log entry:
4.02
